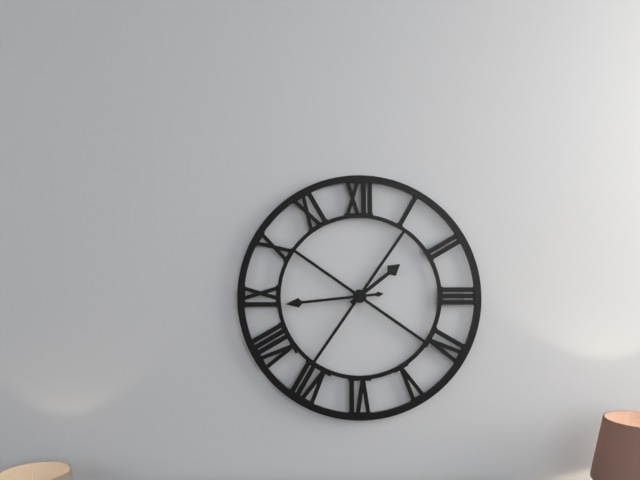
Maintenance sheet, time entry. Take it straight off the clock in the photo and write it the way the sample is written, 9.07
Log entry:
1.44
